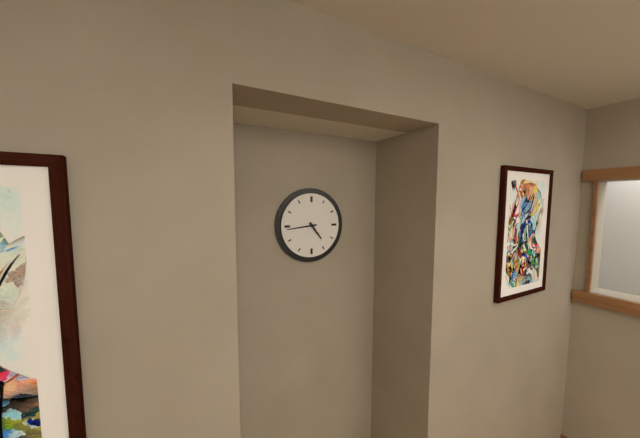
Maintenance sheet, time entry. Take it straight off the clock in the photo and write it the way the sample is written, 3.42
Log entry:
4.44
